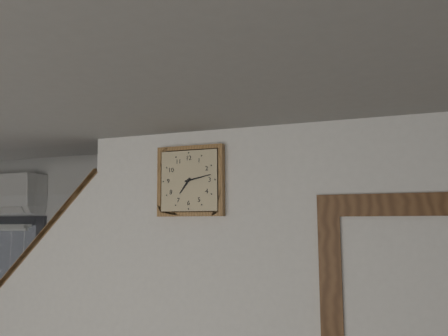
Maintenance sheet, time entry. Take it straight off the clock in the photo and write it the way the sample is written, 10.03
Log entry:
7.13
